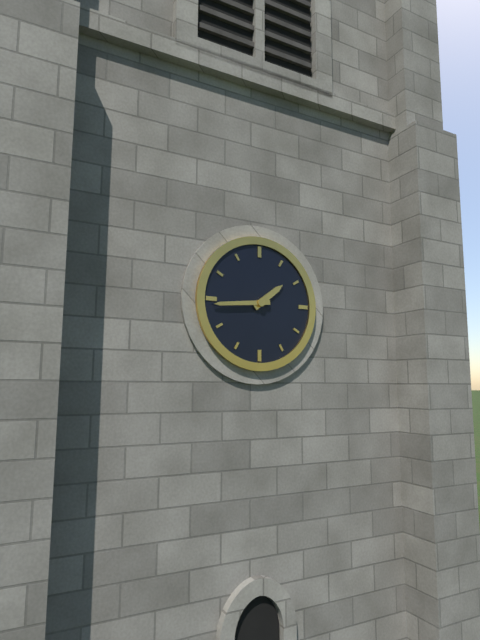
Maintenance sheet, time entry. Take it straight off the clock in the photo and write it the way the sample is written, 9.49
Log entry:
1.44
